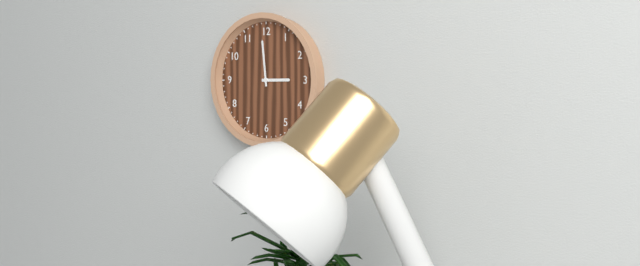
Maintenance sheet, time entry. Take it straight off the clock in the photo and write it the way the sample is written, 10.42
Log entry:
2.59
